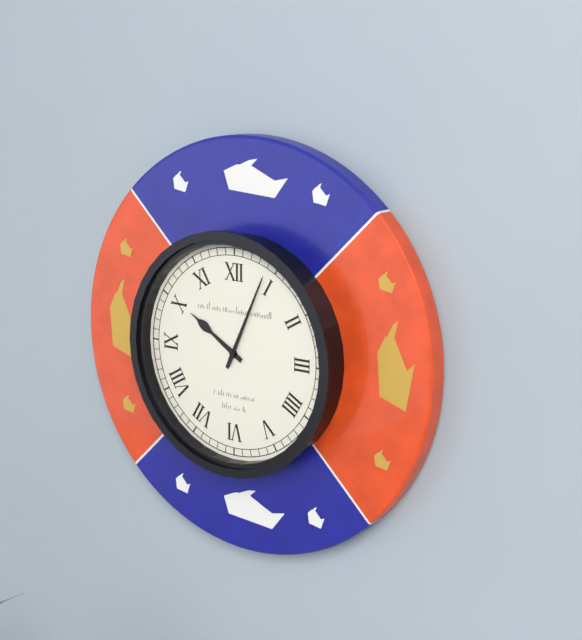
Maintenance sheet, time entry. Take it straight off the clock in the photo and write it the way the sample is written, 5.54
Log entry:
10.04
